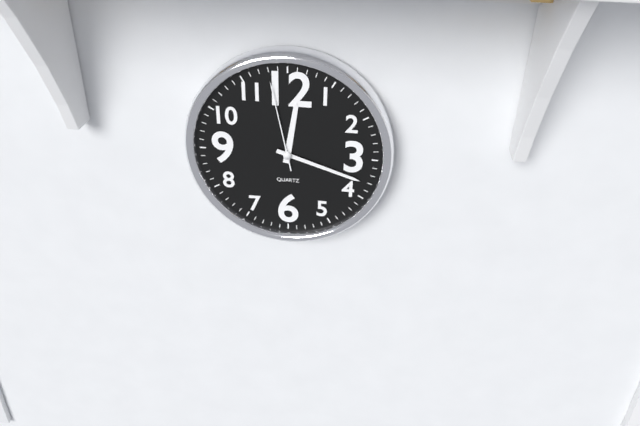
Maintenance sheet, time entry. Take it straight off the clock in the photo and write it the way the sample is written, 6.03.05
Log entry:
12.18.58
